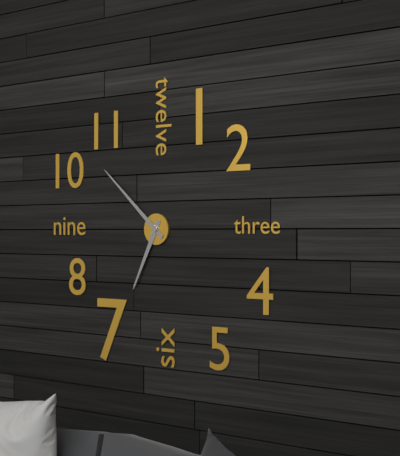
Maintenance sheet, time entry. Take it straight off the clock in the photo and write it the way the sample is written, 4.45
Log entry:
6.52
